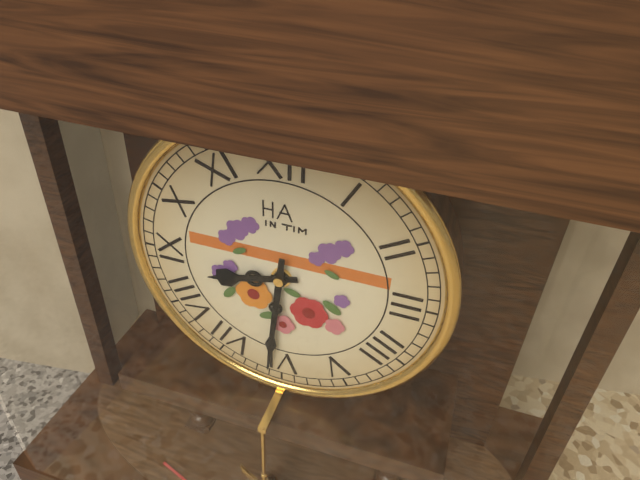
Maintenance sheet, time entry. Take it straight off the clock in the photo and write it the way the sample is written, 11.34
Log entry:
8.31
